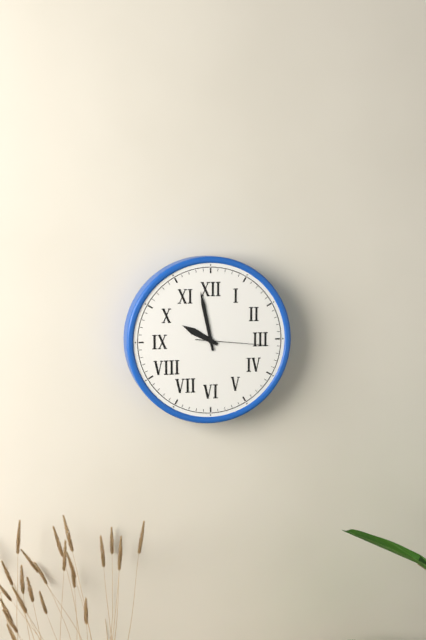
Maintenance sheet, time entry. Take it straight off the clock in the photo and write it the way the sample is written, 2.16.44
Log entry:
9.58.16
